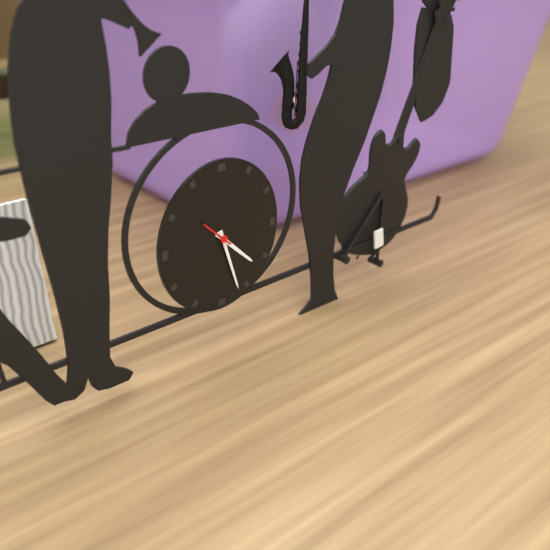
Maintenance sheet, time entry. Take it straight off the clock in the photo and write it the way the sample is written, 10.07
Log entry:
4.27
